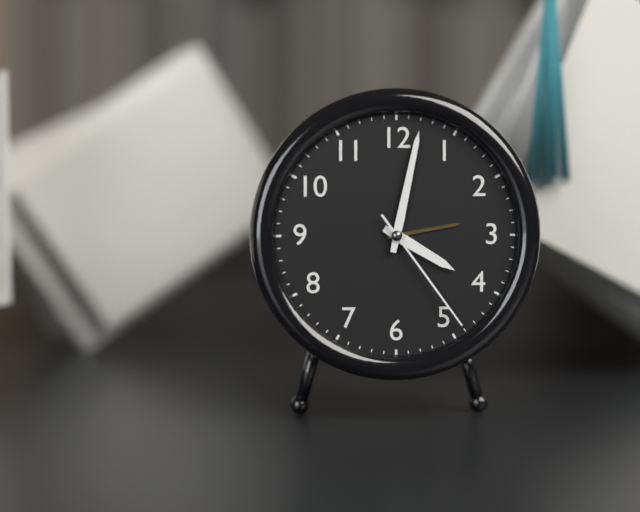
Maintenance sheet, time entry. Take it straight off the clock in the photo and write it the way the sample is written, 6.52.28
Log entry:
4.02.24
